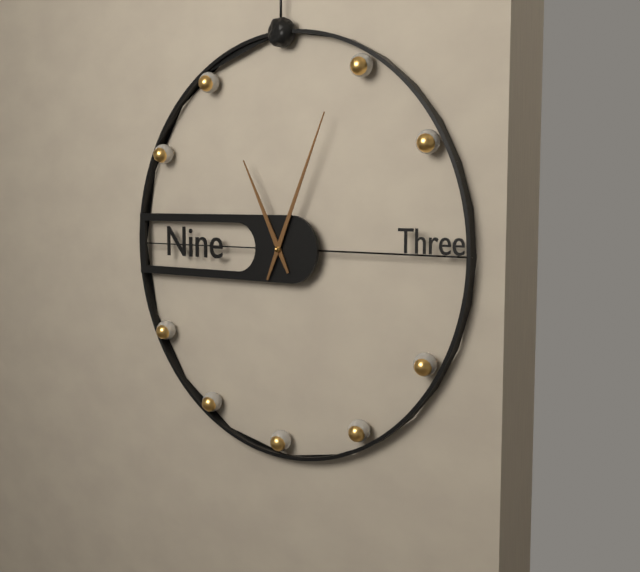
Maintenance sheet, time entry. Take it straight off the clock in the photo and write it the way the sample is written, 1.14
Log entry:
11.04
